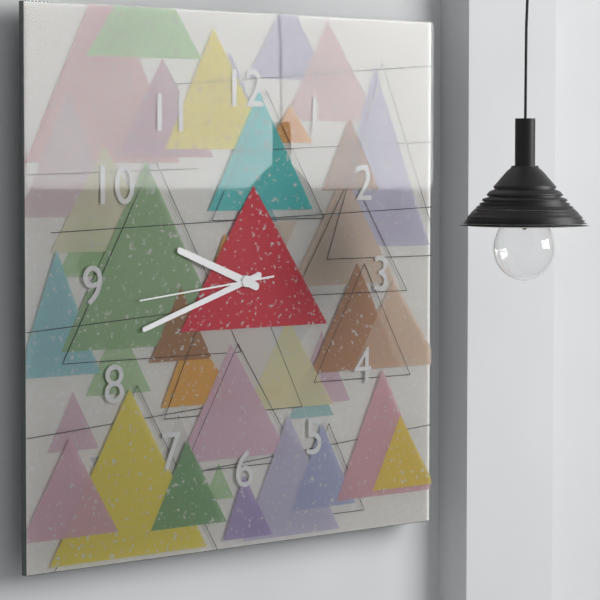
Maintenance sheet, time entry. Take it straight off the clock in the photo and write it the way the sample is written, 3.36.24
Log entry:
9.42.44
